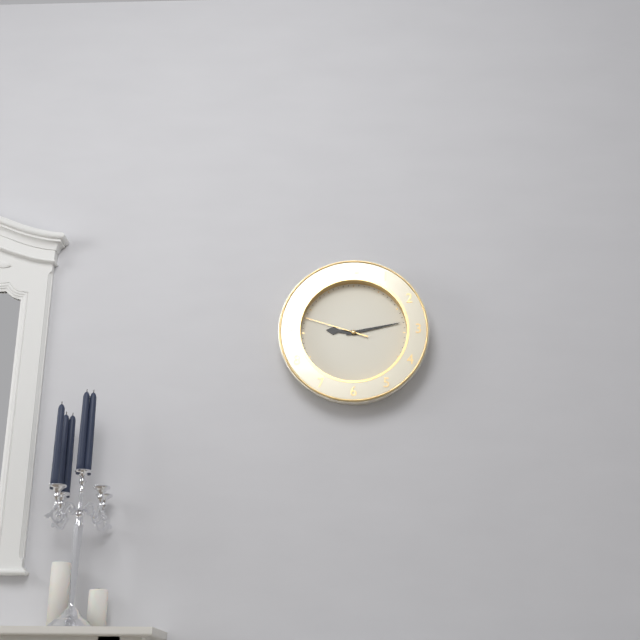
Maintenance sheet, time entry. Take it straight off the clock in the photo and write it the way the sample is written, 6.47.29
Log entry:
9.13.48
